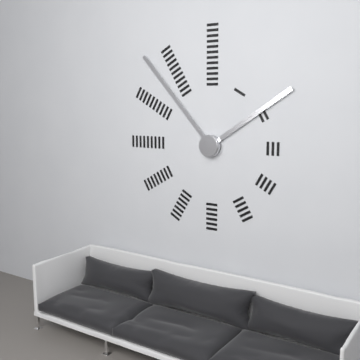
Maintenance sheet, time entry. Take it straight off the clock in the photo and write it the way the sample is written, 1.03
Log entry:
1.53
